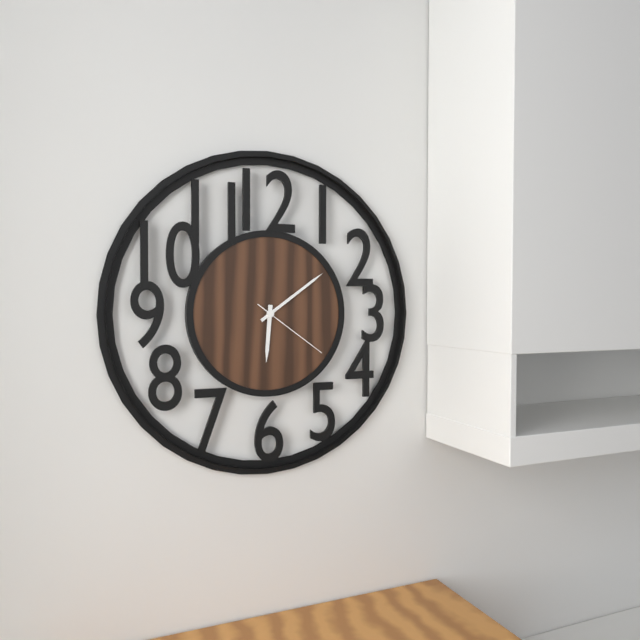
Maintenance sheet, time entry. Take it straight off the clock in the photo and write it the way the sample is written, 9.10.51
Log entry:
6.09.21
